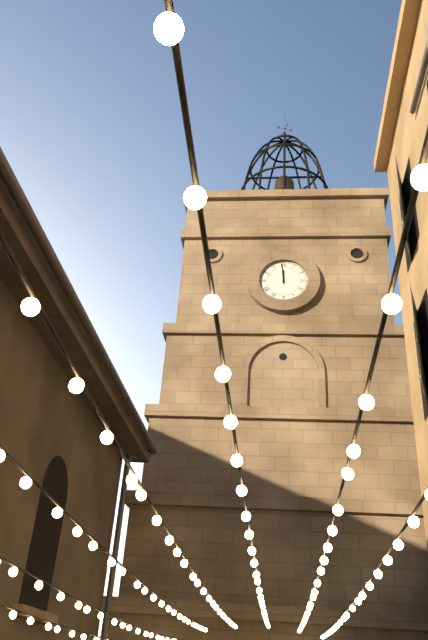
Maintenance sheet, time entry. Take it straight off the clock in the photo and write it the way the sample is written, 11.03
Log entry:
11.59
